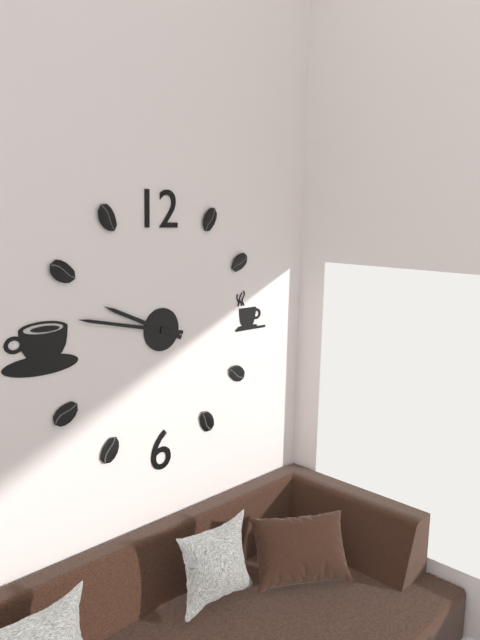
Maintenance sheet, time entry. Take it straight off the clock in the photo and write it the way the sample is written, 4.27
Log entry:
9.47
